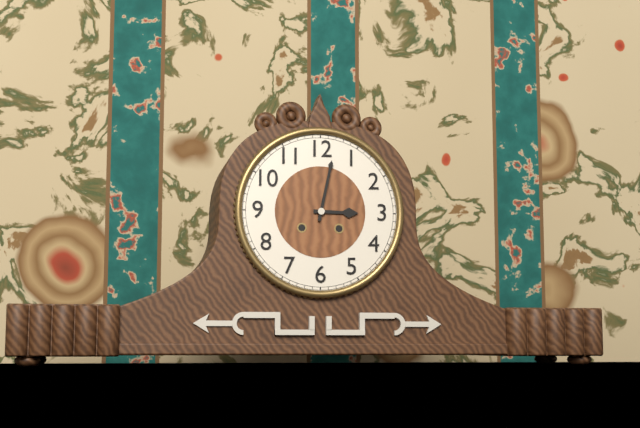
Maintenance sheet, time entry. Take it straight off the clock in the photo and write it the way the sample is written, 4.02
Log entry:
3.02
